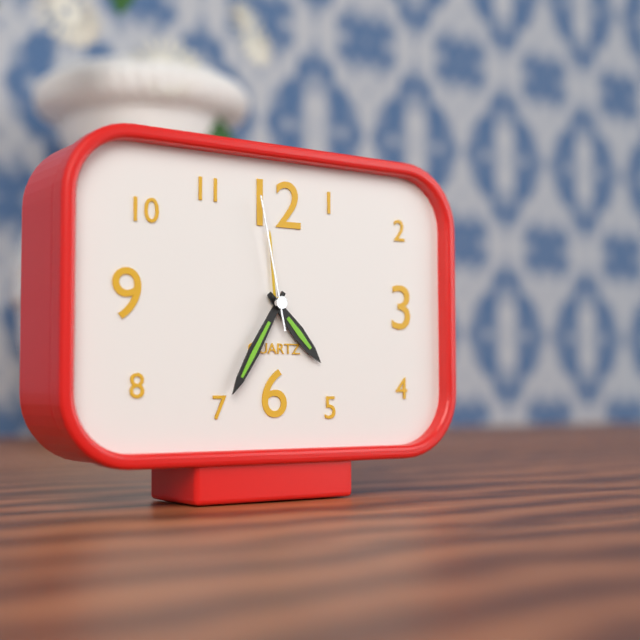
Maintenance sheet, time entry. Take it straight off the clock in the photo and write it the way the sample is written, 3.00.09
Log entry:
4.35.58
